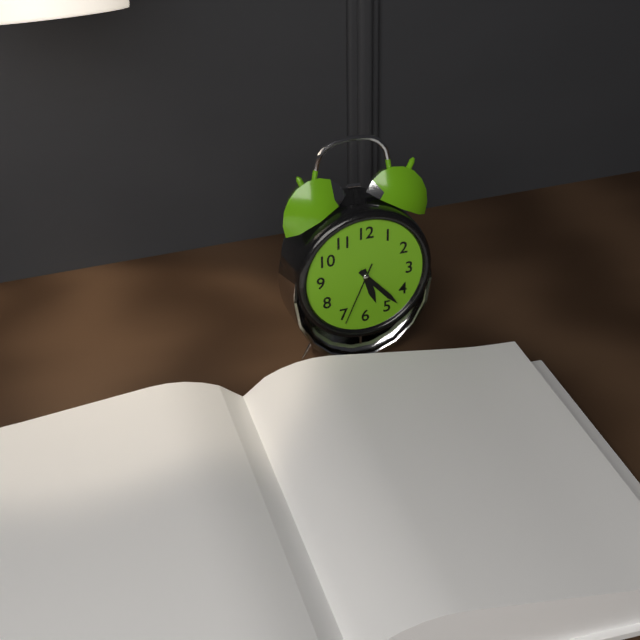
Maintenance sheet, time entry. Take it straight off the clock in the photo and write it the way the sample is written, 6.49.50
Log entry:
5.23.34
